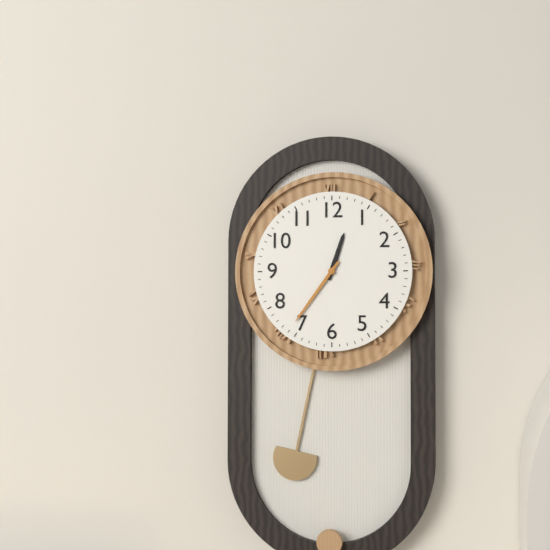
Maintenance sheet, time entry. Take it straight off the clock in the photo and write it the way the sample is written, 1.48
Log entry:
12.36
